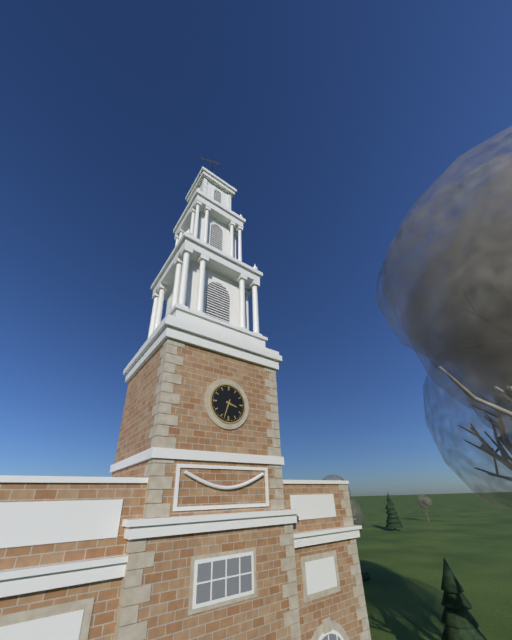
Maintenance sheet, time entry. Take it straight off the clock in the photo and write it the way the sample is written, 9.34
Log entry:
3.33
